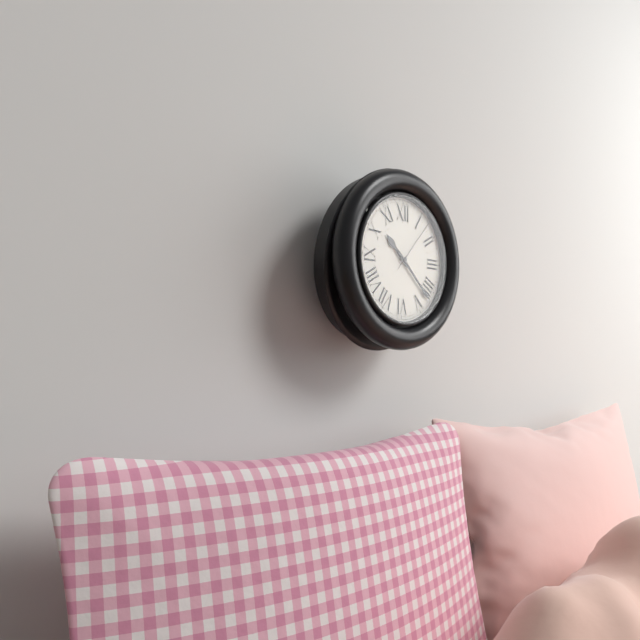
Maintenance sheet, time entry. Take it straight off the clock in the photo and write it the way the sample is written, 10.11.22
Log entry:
10.22.07
